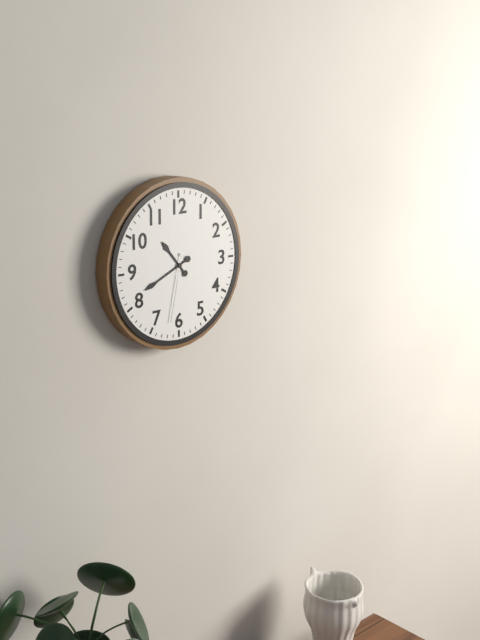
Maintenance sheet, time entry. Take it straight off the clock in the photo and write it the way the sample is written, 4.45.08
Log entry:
10.41.32
